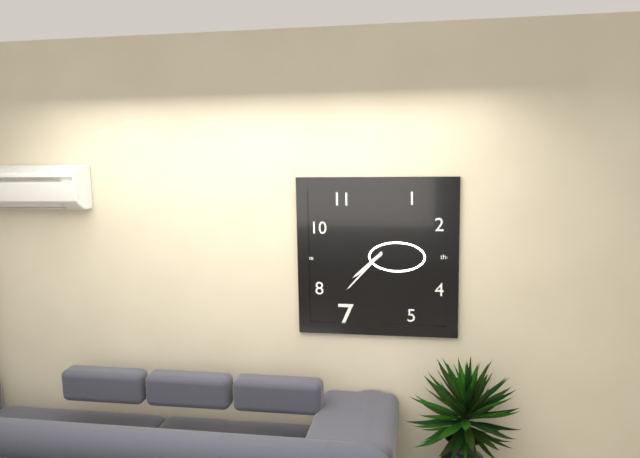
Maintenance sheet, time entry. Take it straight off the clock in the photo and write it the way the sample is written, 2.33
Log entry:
7.37
